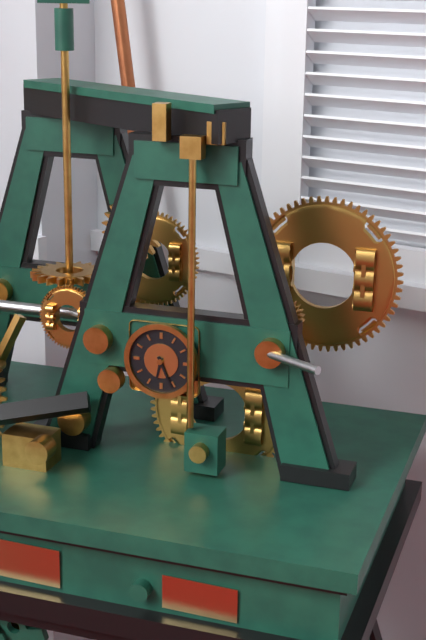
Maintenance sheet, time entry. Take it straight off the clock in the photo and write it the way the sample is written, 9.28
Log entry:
6.26
